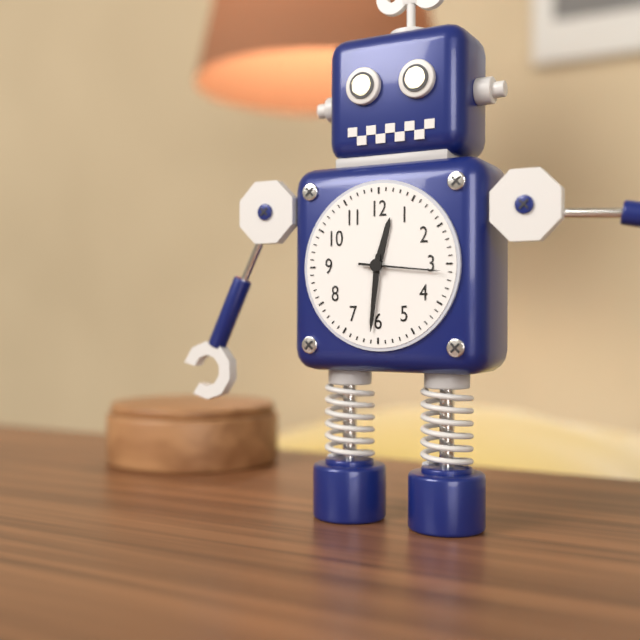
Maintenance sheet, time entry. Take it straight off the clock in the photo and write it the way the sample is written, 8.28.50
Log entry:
12.31.16
